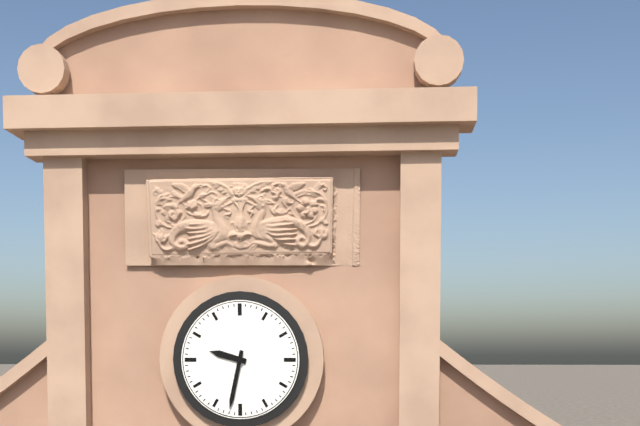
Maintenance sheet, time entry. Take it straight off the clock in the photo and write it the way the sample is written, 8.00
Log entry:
9.32
